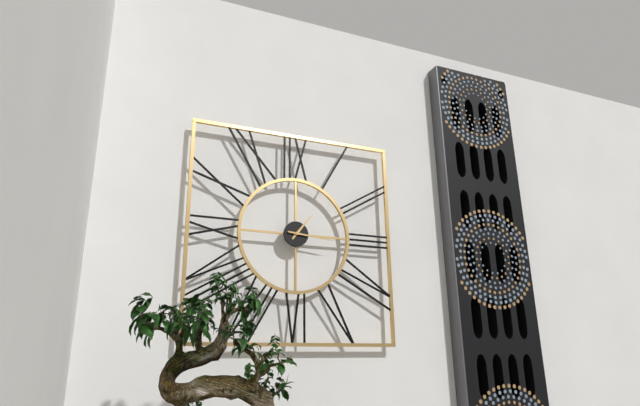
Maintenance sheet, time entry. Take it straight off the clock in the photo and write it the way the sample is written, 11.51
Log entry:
1.16
